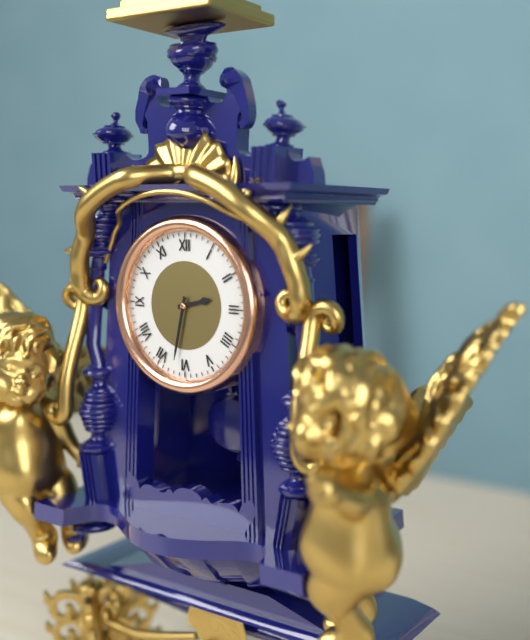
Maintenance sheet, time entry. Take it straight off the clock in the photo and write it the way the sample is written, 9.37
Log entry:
2.32
